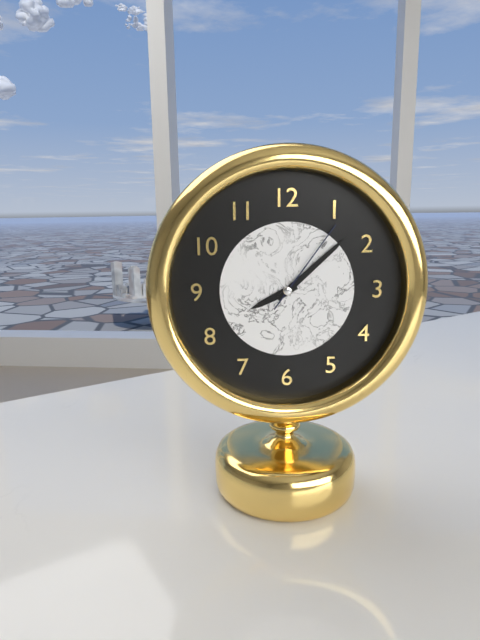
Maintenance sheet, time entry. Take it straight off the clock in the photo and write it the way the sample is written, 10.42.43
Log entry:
8.08.06
